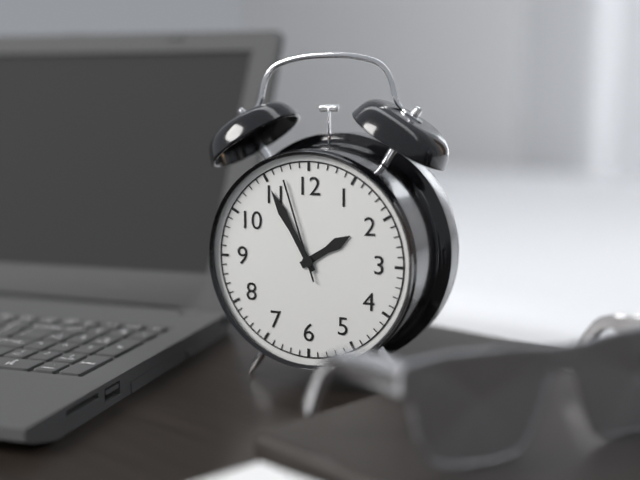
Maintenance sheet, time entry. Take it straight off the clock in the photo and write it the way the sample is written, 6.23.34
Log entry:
1.55.57
